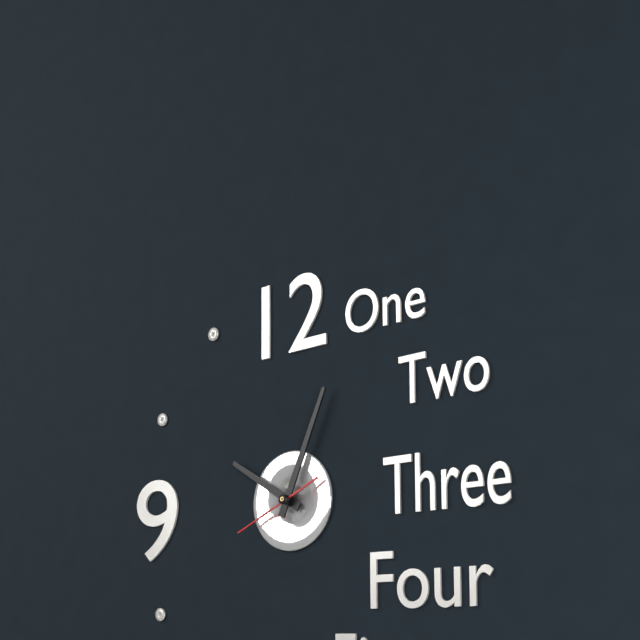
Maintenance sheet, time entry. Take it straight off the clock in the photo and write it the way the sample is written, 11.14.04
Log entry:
10.04.41
